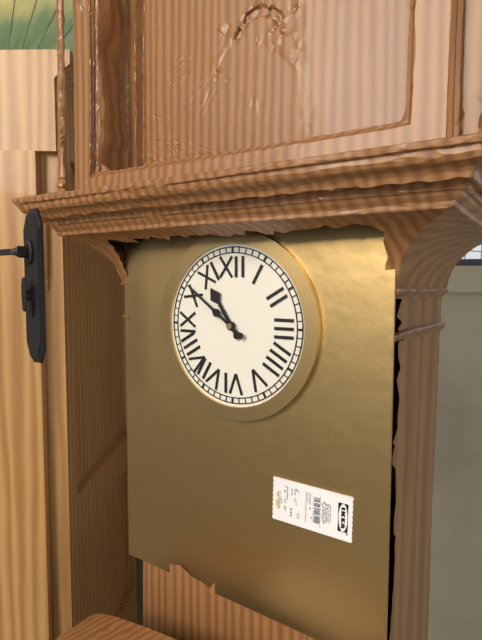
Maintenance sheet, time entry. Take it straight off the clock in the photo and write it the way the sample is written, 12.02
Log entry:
10.51
